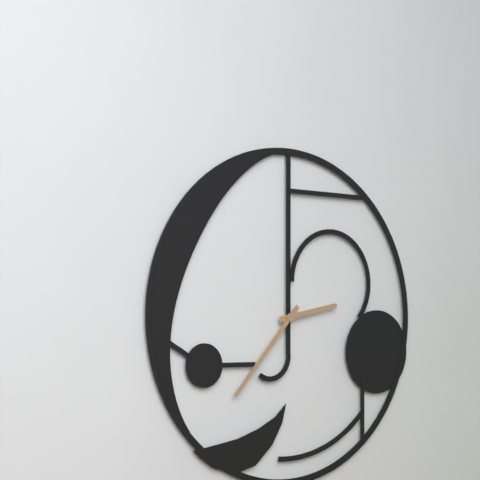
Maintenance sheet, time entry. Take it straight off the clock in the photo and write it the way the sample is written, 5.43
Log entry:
2.37
